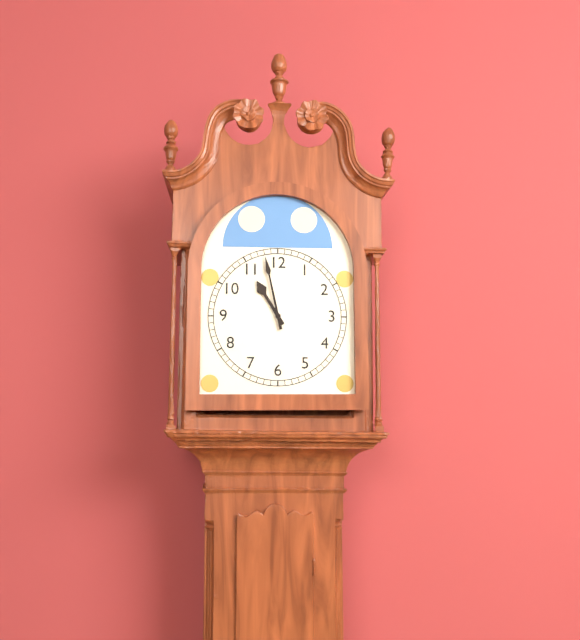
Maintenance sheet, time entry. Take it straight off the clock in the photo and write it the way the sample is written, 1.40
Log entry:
10.58
